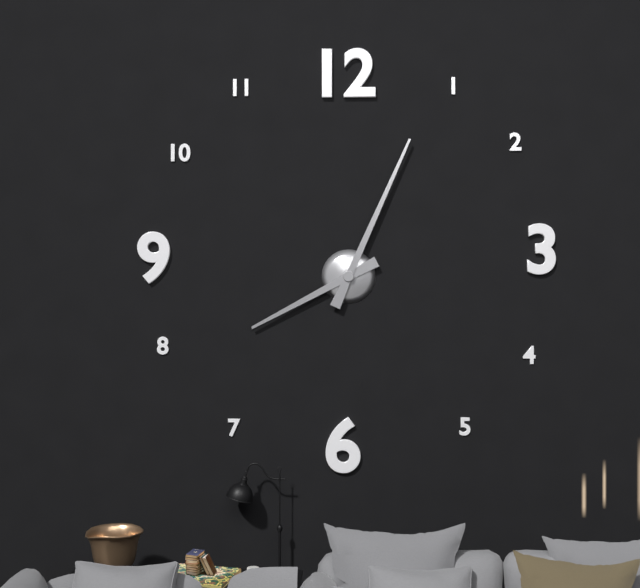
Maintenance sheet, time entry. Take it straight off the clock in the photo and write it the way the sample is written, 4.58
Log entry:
8.04
